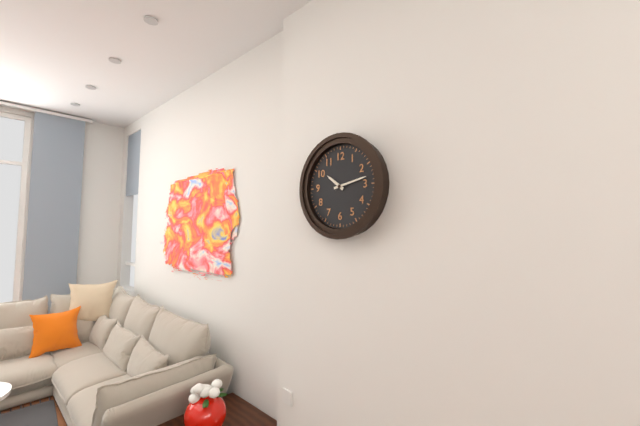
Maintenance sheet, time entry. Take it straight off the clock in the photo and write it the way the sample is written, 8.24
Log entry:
10.13
